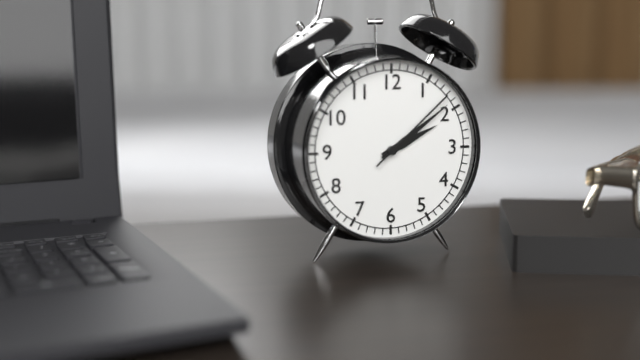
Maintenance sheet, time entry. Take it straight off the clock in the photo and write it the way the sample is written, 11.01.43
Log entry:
2.09.08
